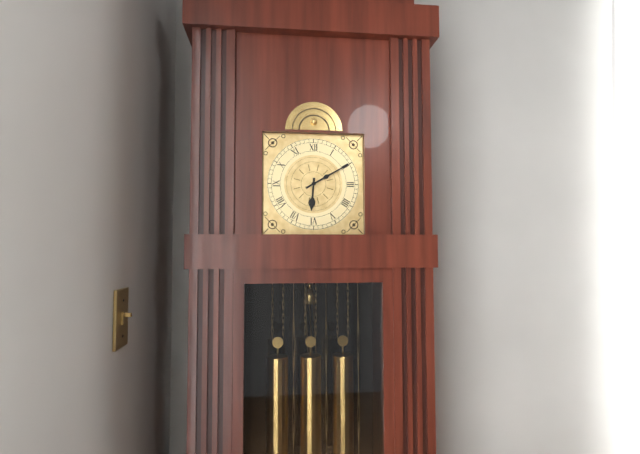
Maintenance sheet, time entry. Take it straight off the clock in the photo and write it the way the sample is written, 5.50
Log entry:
6.10
